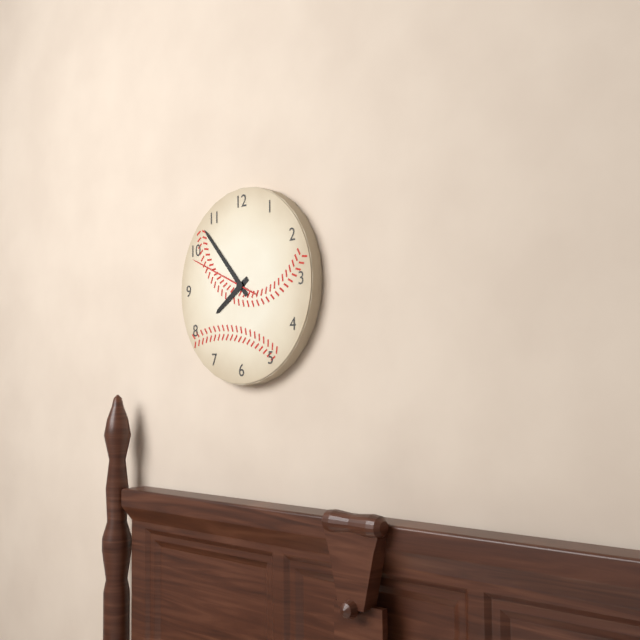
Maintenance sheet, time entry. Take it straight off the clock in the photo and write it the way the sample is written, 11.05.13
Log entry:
7.53.49
